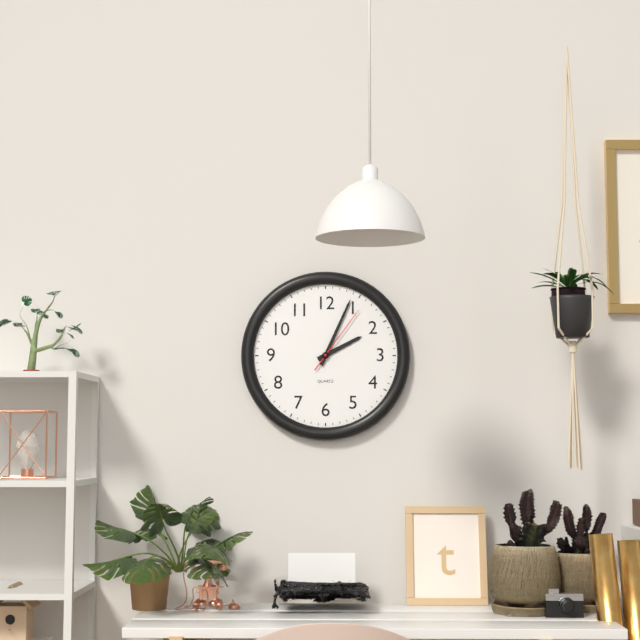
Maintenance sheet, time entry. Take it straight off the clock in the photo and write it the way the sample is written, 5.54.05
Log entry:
2.04.06
